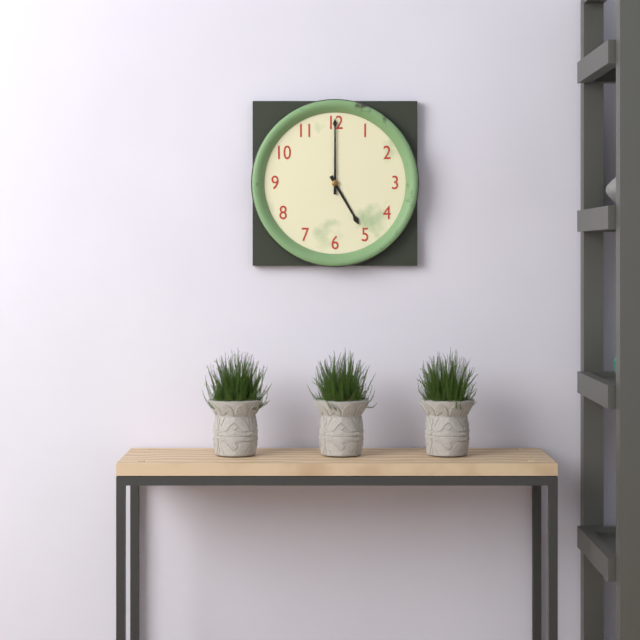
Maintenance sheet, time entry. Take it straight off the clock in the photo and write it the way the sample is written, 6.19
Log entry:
5.00
